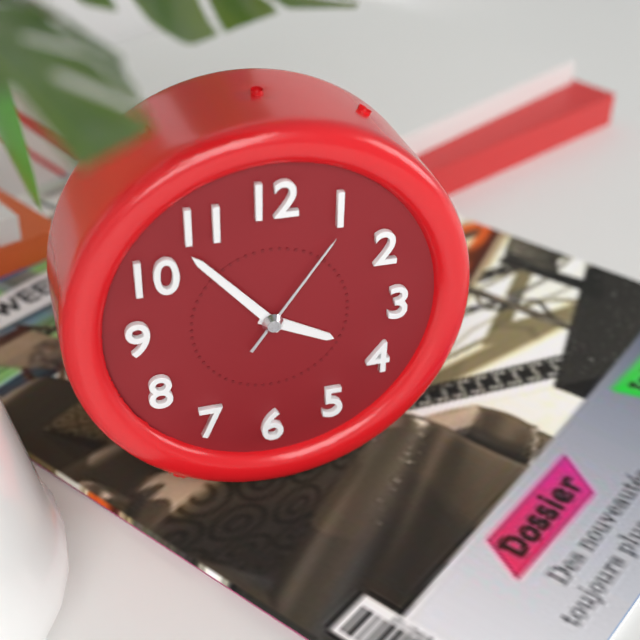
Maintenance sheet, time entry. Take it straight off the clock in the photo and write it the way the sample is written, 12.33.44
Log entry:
3.53.06
